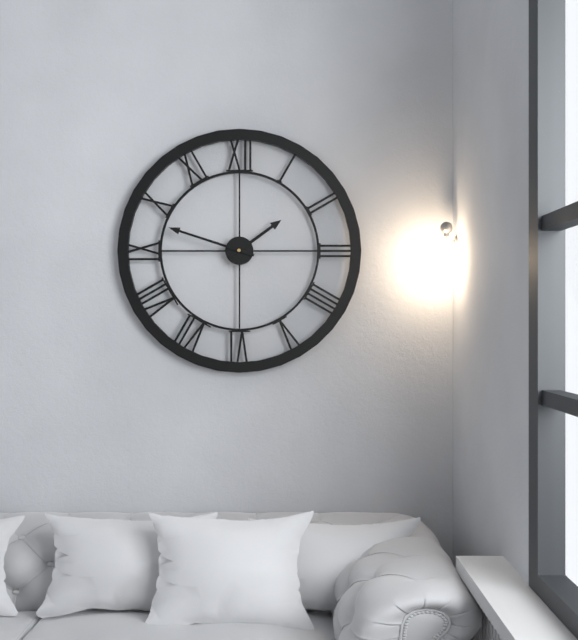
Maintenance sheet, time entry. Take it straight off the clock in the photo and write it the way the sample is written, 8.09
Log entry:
1.48
